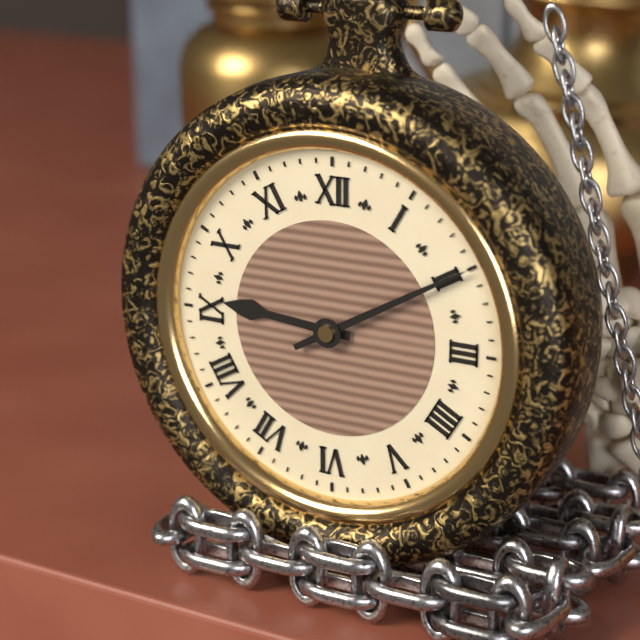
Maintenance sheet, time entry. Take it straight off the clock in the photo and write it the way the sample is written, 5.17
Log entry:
9.10
